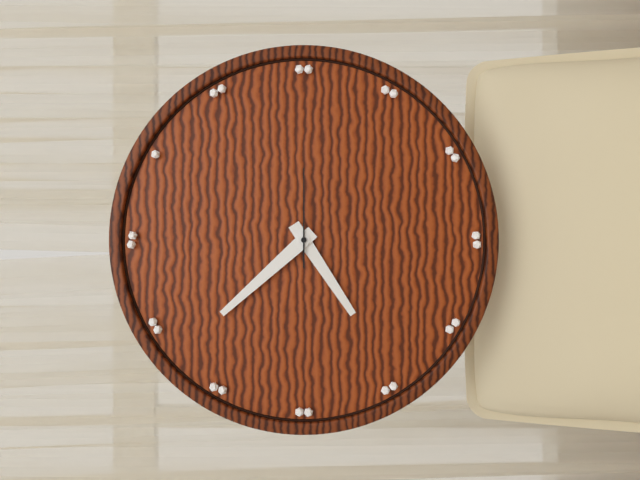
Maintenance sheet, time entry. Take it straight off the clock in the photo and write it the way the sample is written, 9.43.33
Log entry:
7.53.15
